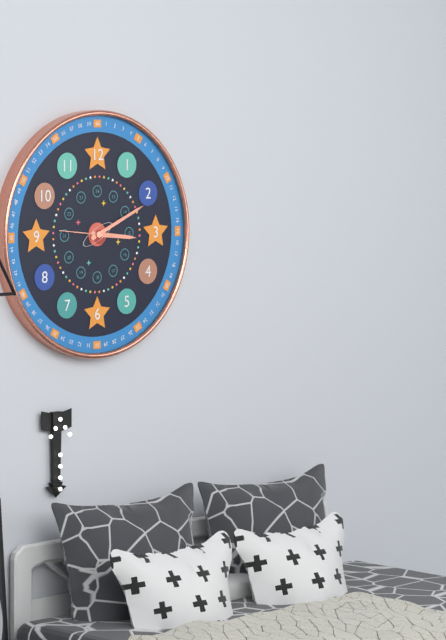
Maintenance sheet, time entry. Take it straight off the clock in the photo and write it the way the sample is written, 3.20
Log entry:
3.11
